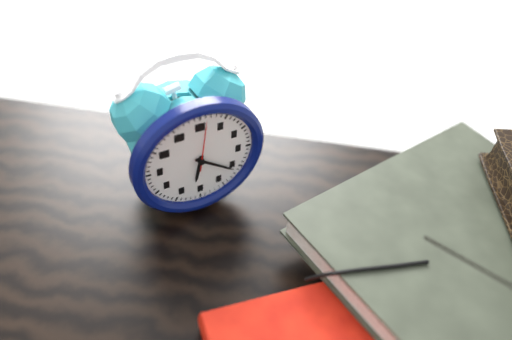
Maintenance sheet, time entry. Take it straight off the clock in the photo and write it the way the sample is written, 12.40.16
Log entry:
6.21.01
